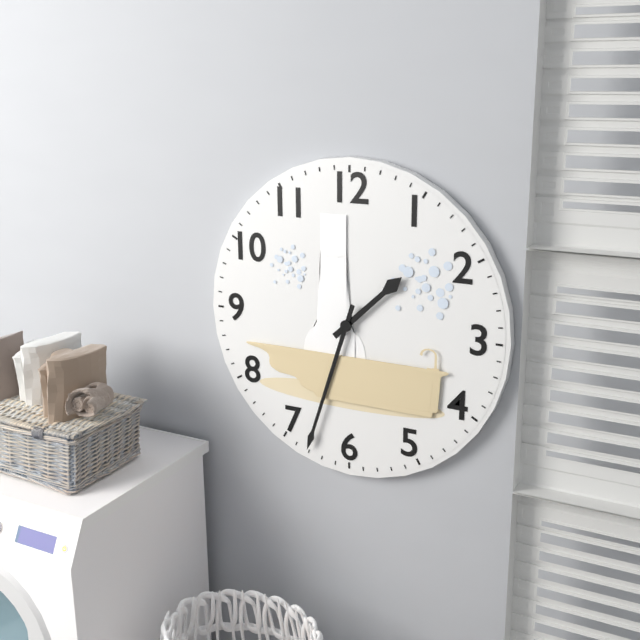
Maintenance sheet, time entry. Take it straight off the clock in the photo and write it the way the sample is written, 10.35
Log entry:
1.33
